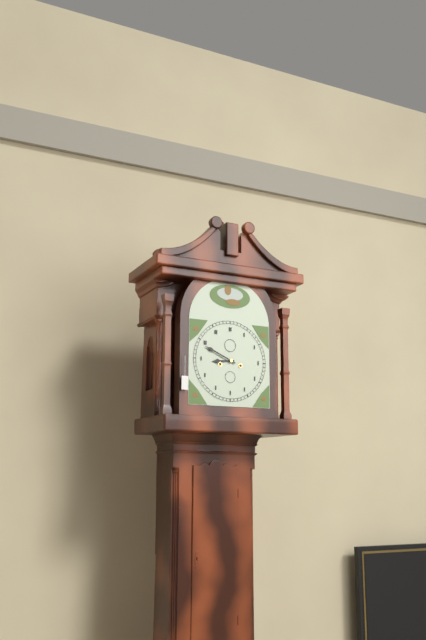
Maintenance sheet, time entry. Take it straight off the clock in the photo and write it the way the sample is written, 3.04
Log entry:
8.49
